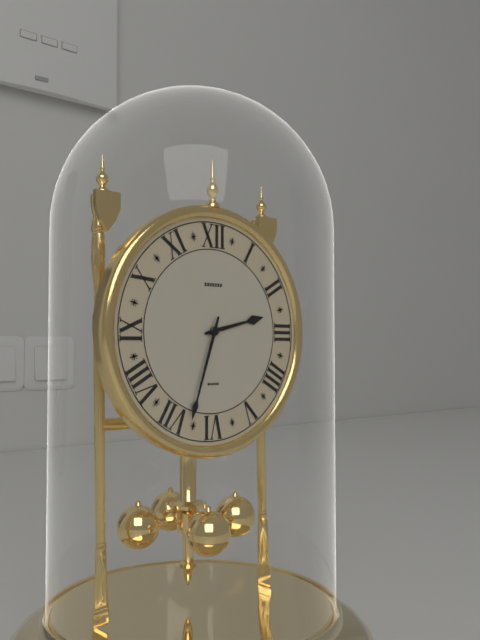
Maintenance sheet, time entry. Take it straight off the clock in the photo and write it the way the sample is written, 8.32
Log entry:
2.33
